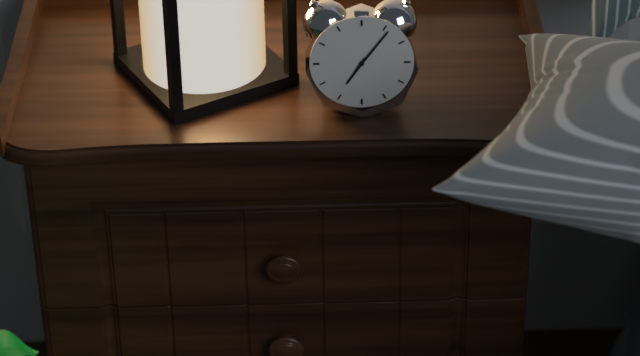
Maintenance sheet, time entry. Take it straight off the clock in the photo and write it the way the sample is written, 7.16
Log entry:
7.06
